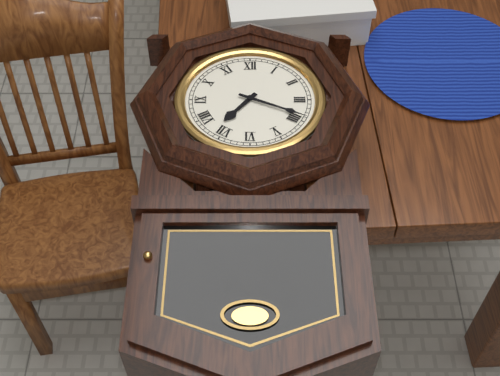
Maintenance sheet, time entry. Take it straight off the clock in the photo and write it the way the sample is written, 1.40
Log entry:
7.19
